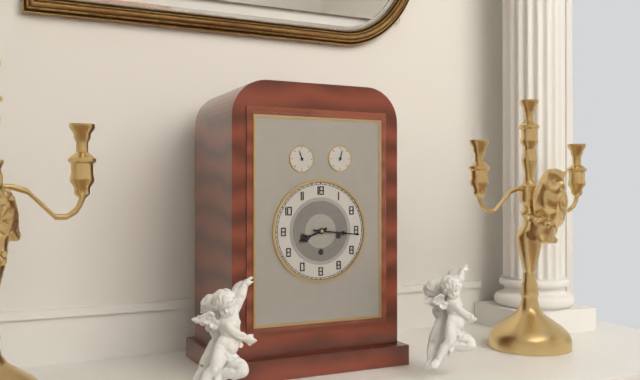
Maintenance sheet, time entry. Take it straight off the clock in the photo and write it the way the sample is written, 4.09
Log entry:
8.16
